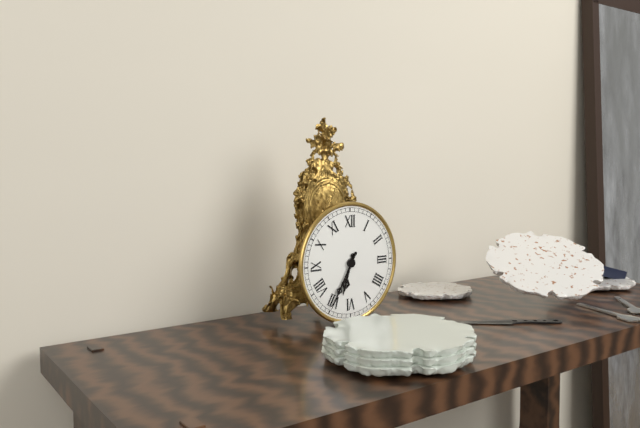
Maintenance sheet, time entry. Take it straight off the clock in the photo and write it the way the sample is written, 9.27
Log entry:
6.35
